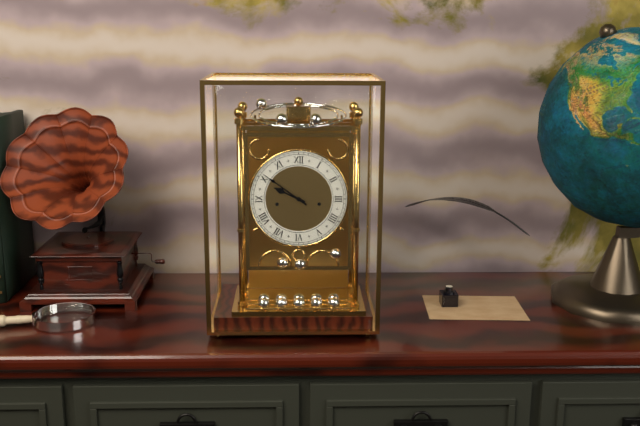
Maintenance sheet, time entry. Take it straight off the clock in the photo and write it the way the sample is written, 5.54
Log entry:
9.51
